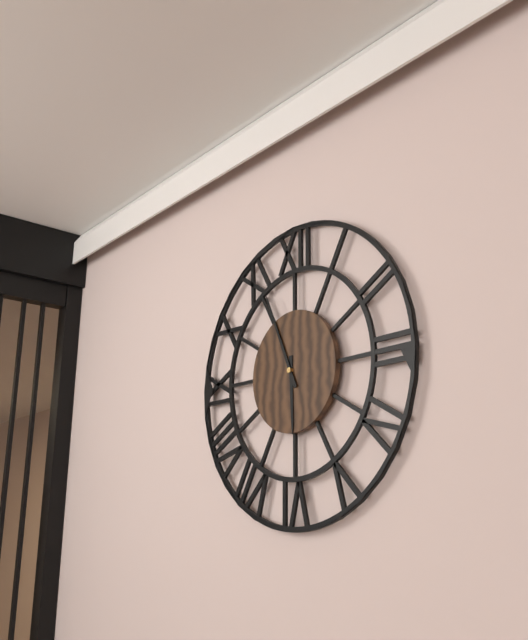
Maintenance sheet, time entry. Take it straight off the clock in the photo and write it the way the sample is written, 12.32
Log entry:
5.56
